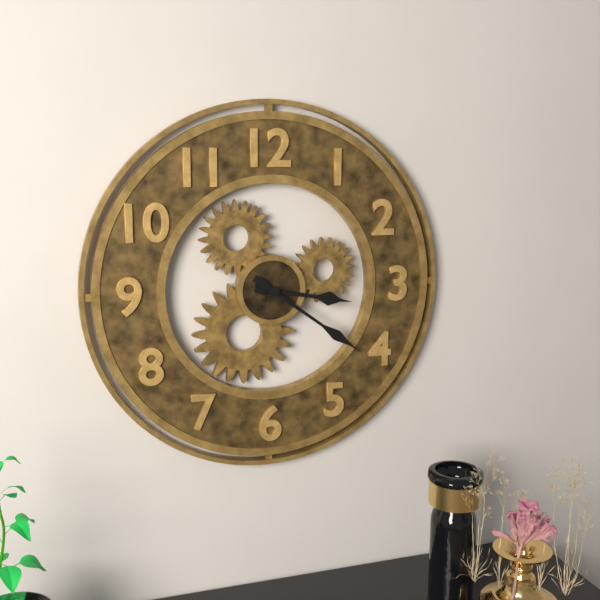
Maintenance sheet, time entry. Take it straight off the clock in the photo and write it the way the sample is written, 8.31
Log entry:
3.21
